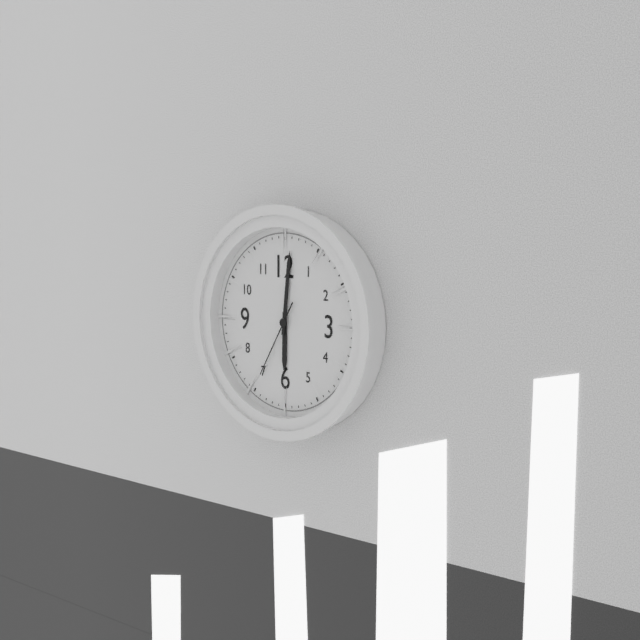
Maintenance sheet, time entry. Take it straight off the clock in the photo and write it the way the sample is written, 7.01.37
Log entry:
6.01.35
